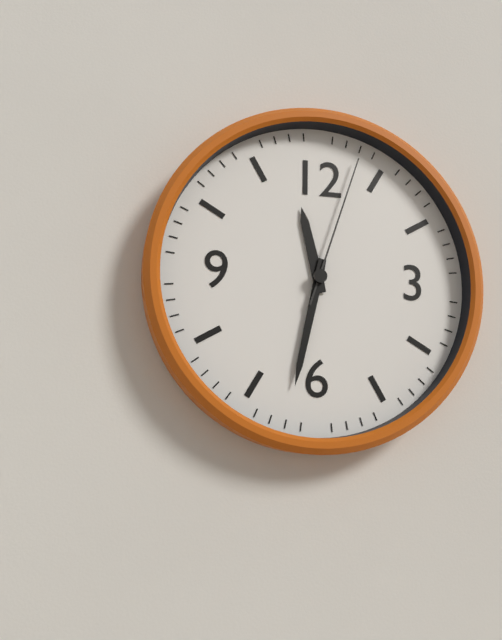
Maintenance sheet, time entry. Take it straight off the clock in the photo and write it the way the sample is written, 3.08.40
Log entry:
11.32.03
